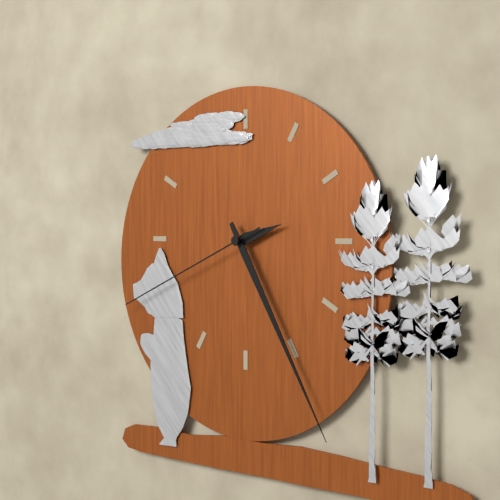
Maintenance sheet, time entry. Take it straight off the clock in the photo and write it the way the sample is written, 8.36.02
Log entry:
2.25.41
